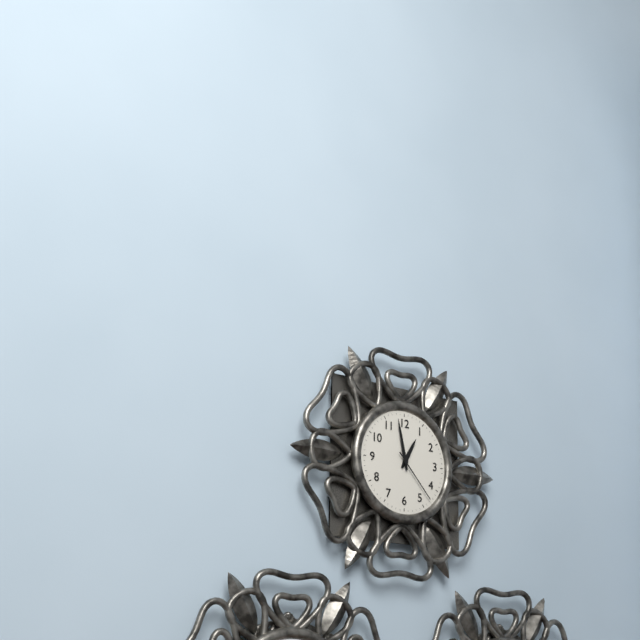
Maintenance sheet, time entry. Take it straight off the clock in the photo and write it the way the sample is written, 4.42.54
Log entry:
12.58.23
